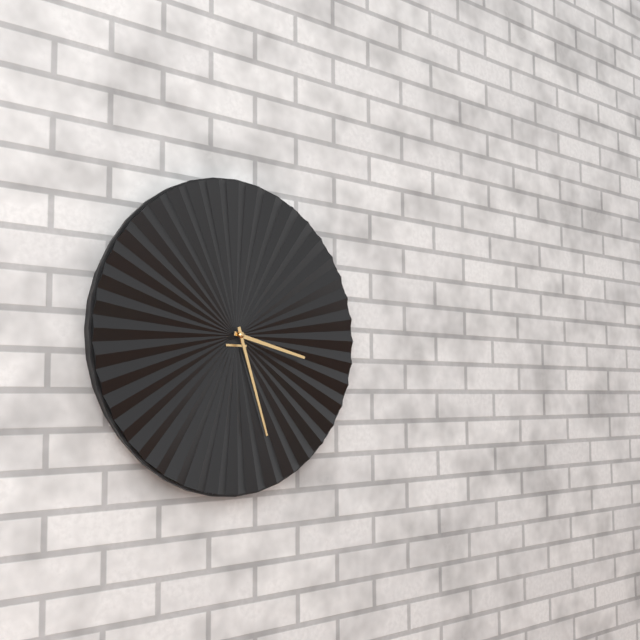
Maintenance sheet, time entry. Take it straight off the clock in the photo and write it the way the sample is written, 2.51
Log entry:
3.27
